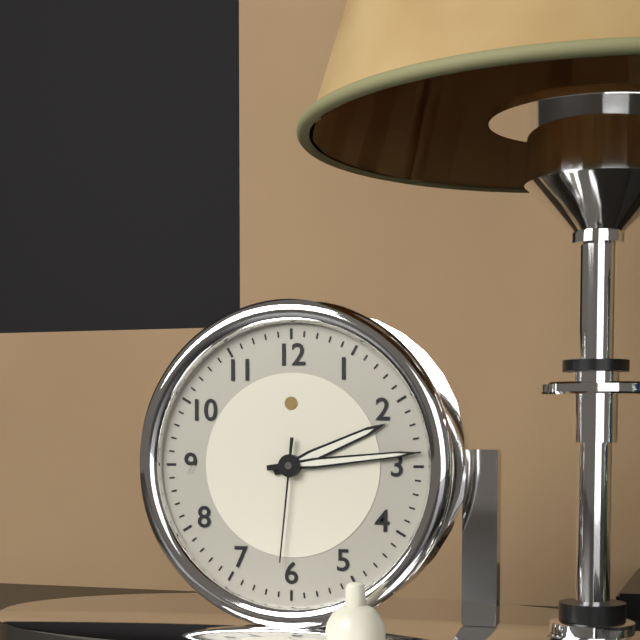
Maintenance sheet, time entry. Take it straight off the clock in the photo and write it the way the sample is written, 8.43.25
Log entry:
2.14.31
